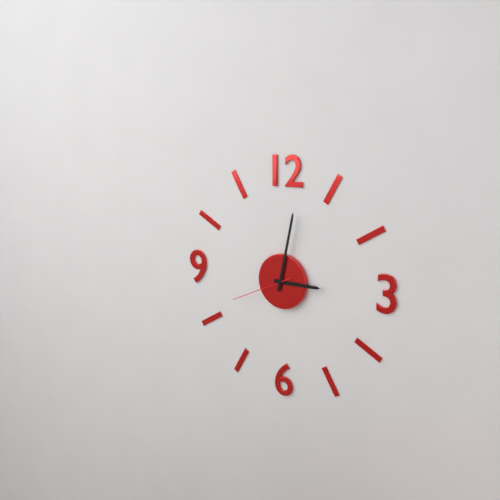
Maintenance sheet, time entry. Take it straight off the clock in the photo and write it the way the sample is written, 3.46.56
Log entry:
3.02.41
